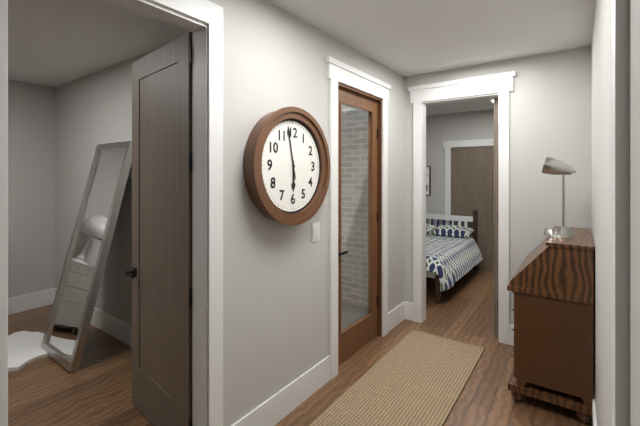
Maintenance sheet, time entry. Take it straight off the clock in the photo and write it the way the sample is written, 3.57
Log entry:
5.58
